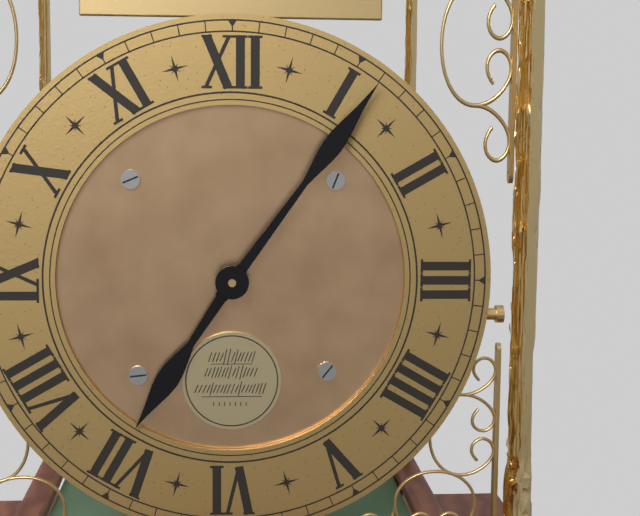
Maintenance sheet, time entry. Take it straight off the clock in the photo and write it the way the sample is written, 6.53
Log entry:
7.06
